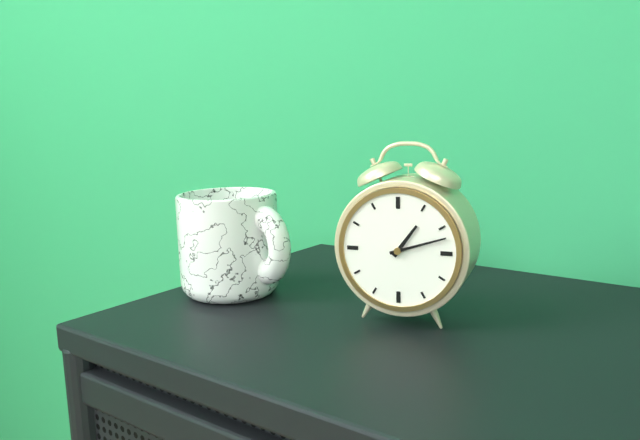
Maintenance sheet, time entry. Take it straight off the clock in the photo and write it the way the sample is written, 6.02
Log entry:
1.12
